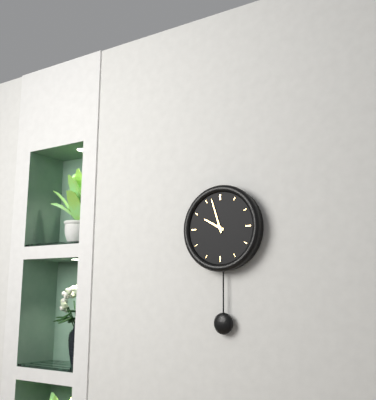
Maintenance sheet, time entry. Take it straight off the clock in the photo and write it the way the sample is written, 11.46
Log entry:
9.57
